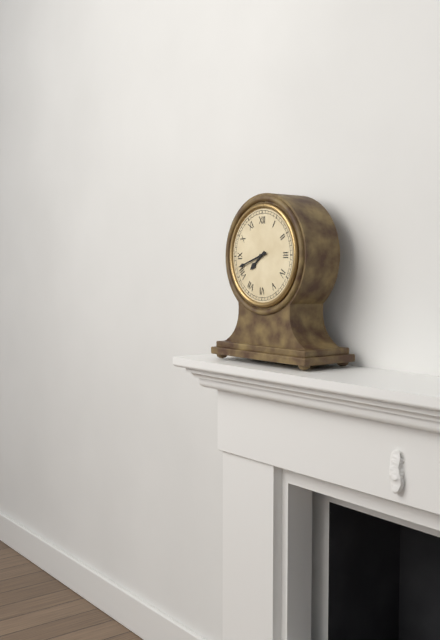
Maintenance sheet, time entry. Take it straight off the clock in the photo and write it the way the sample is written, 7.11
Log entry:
7.42
